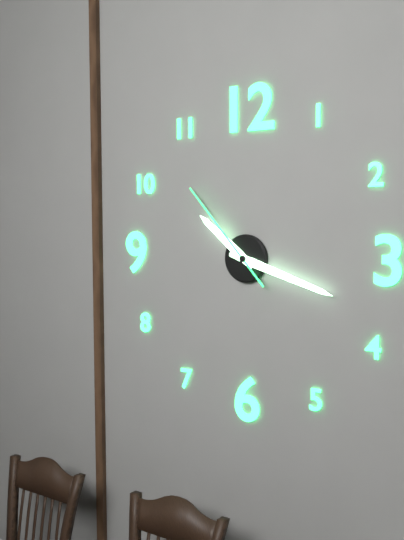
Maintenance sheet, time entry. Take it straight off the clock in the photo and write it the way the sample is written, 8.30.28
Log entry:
10.18.53
